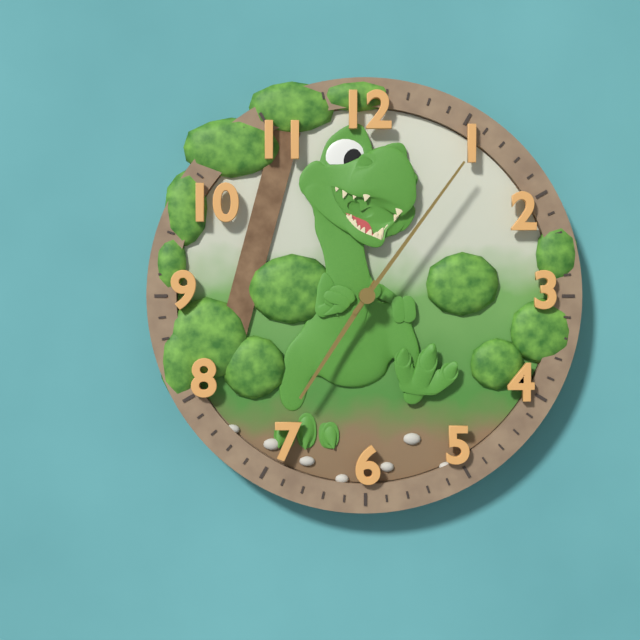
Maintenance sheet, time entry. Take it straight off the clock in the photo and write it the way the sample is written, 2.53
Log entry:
7.06
